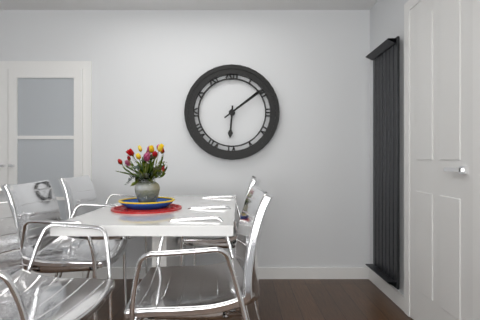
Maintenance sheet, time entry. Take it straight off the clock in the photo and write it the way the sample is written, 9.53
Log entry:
6.09
